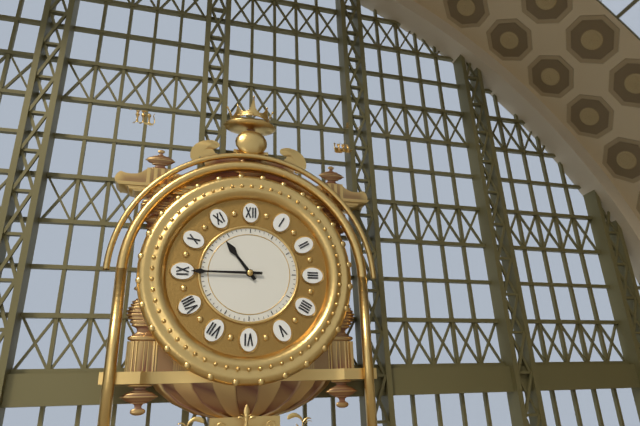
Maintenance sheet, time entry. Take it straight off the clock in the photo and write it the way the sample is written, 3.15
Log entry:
10.45
